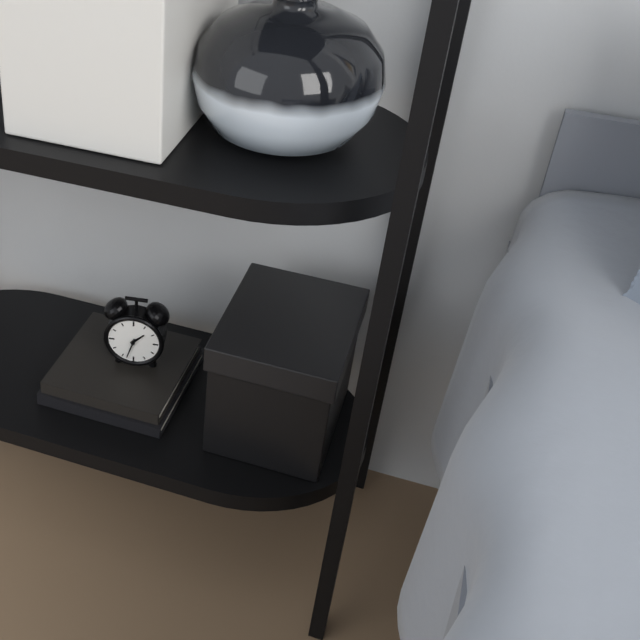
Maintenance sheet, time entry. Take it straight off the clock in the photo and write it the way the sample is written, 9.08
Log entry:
1.33
